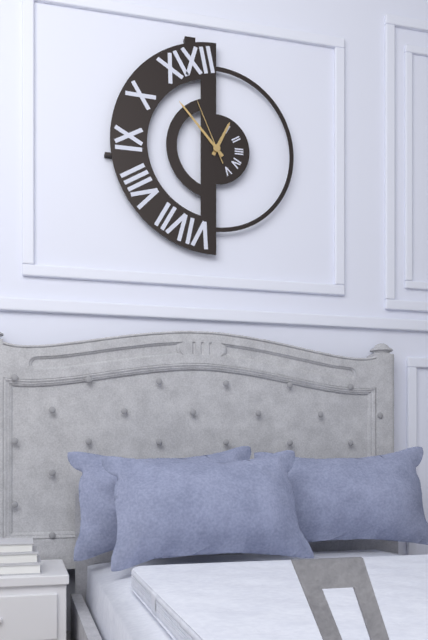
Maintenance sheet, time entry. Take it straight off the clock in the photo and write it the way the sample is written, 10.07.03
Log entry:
12.53.56
